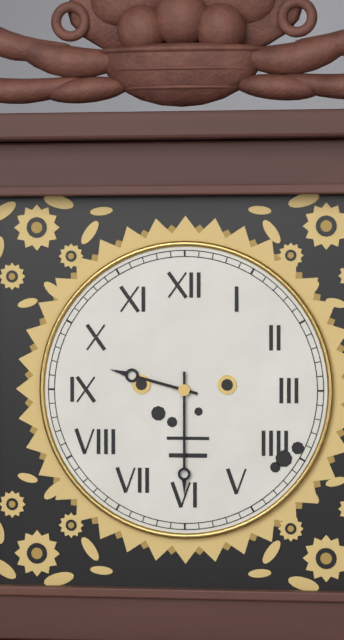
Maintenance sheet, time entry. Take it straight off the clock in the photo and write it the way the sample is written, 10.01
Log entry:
9.30
